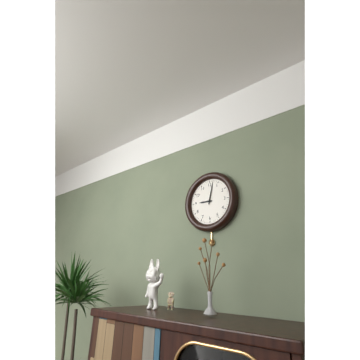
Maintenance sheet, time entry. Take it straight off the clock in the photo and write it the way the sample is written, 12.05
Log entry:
9.02
